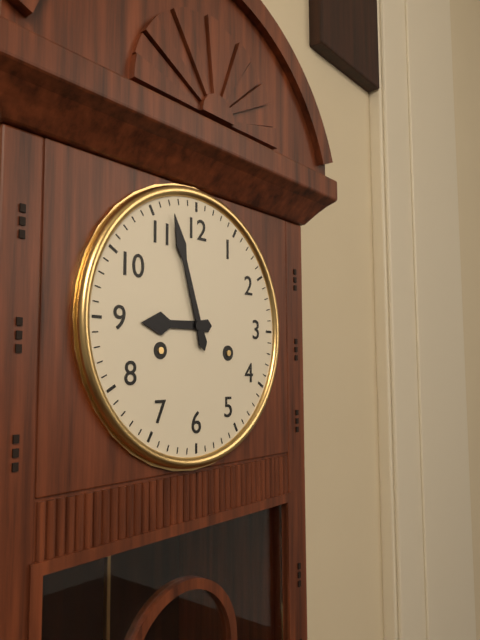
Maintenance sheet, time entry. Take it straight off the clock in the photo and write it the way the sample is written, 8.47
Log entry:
8.57
